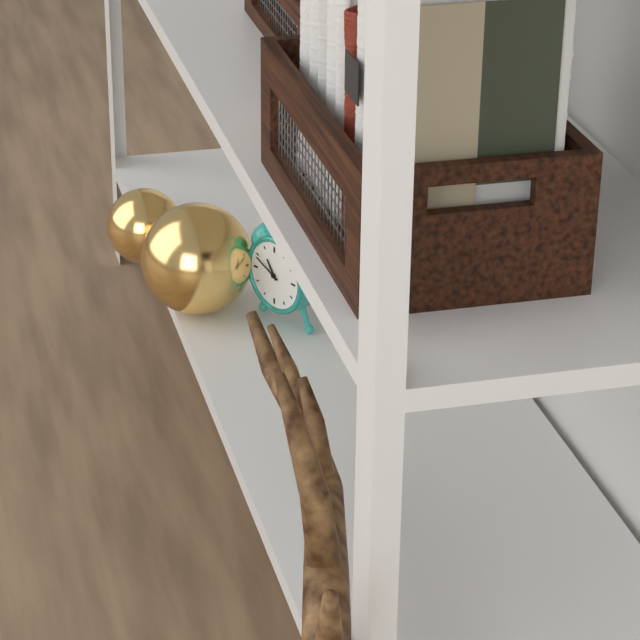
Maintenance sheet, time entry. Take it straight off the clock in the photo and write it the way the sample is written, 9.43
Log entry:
10.49
